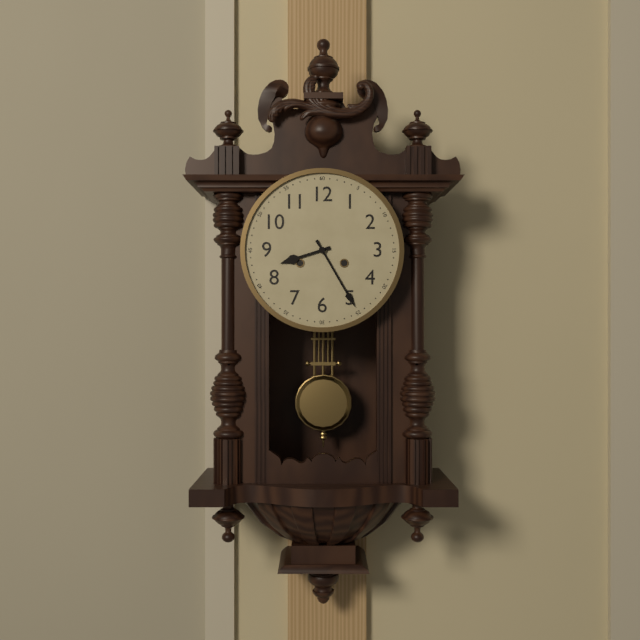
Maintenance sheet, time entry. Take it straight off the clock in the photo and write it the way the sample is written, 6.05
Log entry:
8.25
